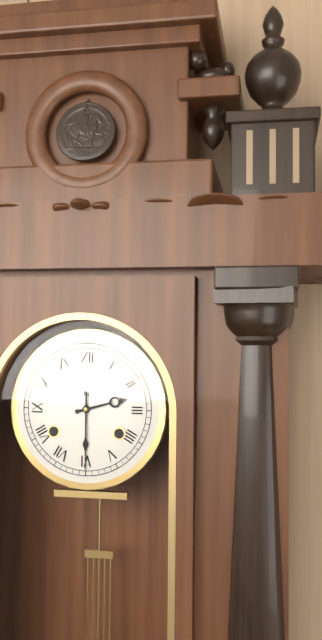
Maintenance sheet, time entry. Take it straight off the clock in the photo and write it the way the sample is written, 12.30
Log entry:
2.30
